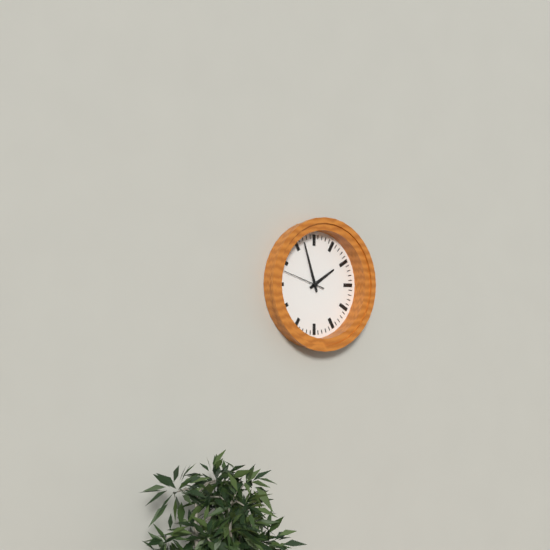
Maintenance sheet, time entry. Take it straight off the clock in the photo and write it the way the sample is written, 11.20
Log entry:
1.57
